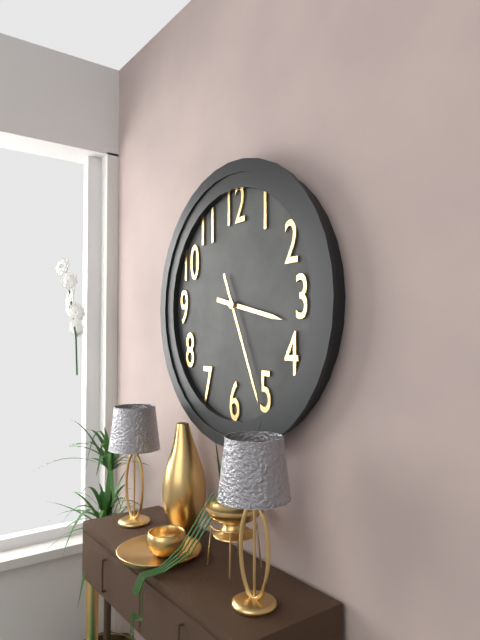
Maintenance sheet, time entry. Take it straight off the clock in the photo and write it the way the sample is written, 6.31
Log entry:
3.26
